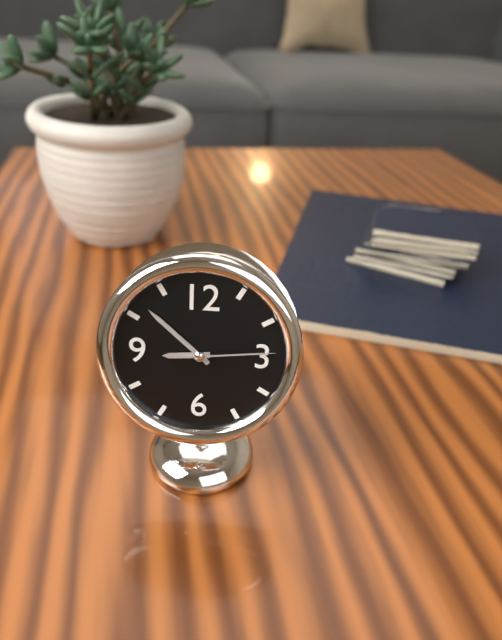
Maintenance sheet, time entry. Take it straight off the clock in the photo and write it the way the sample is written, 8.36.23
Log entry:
8.52.14
